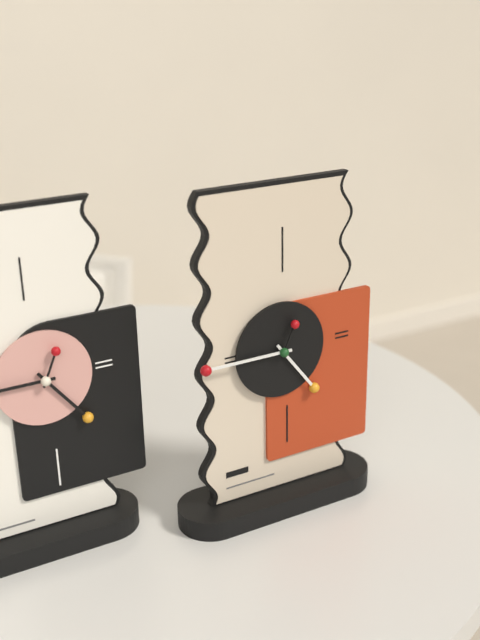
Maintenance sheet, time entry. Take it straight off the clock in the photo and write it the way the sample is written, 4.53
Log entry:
4.45
